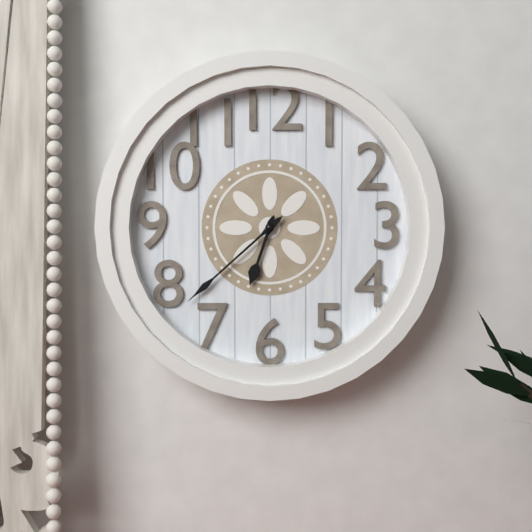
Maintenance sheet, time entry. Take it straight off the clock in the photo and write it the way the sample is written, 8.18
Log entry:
6.38
